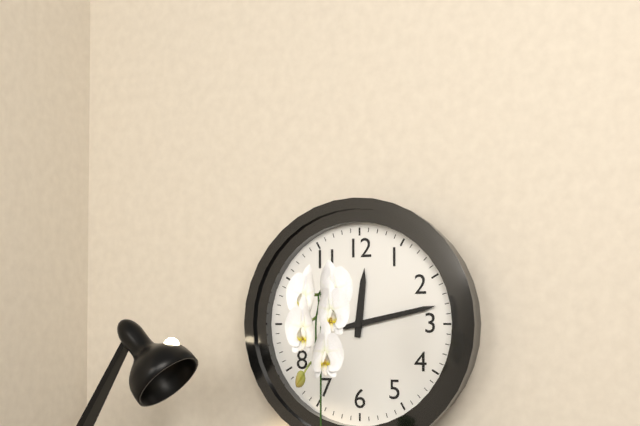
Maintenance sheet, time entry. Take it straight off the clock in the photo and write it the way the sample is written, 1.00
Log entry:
12.13
